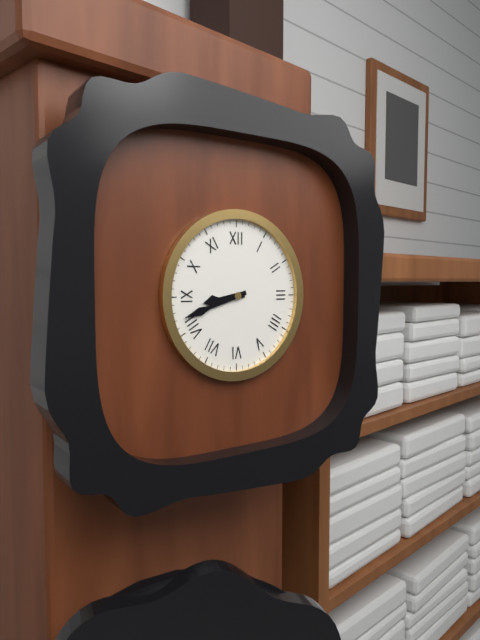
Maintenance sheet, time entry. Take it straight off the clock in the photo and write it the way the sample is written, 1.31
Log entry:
8.42
